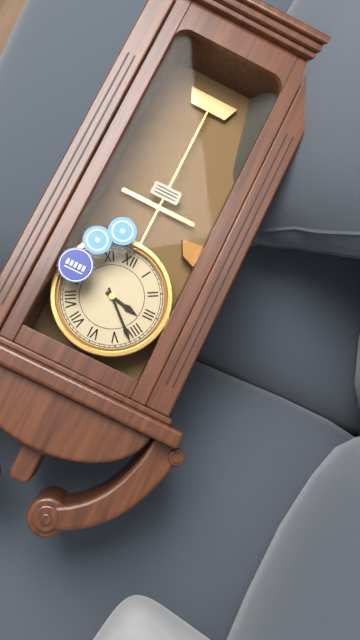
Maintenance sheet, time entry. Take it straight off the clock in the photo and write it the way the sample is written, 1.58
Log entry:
3.22
